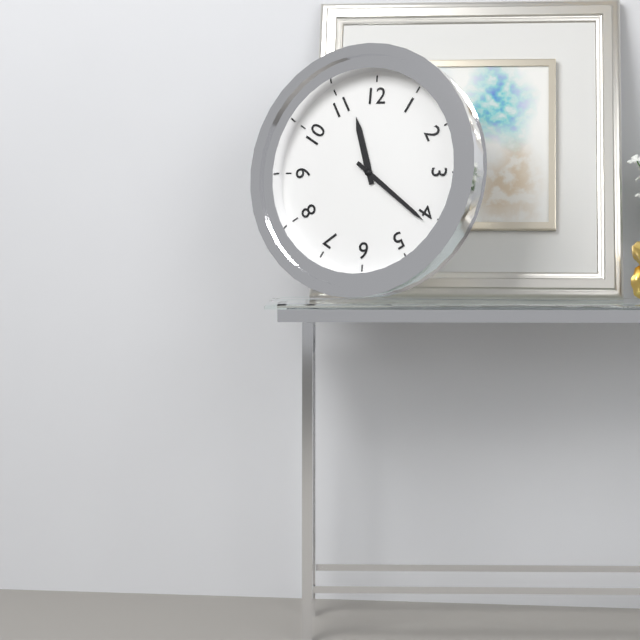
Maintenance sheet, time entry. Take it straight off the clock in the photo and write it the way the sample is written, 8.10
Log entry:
11.21
